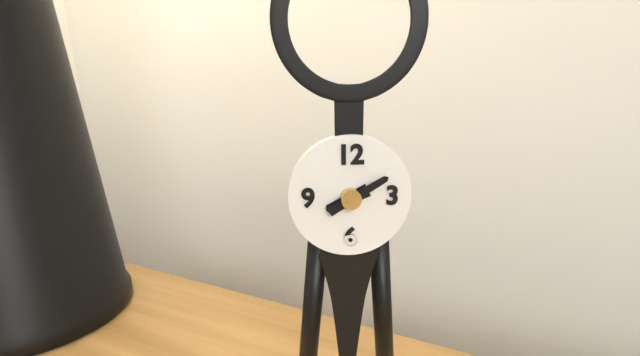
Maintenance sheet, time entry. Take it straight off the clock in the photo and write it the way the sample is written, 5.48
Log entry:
8.10
